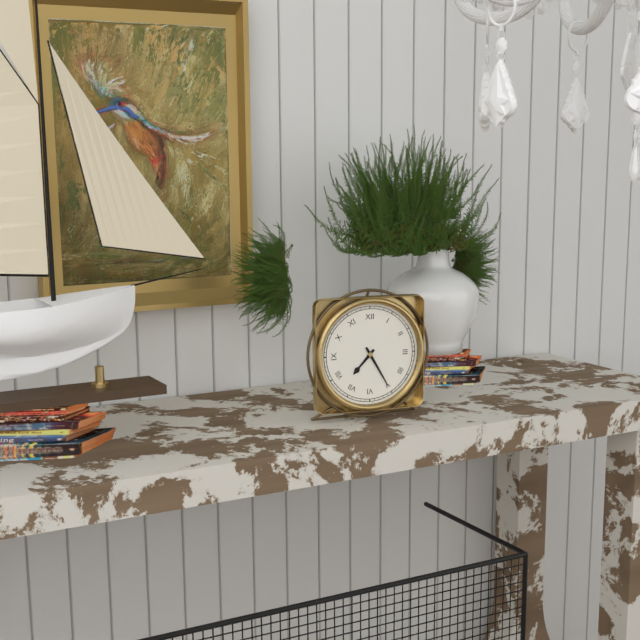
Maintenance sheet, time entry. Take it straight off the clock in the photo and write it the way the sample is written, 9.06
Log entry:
7.25
